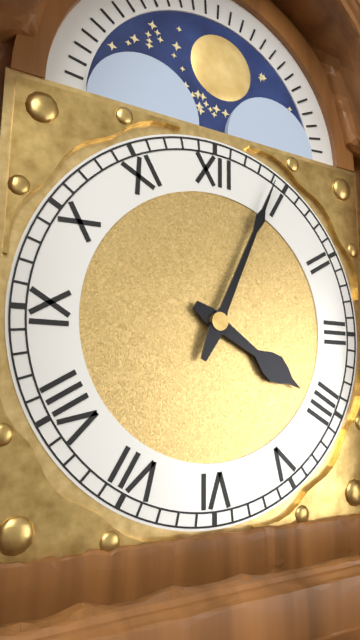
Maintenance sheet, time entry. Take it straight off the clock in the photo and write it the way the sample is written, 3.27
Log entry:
4.04
